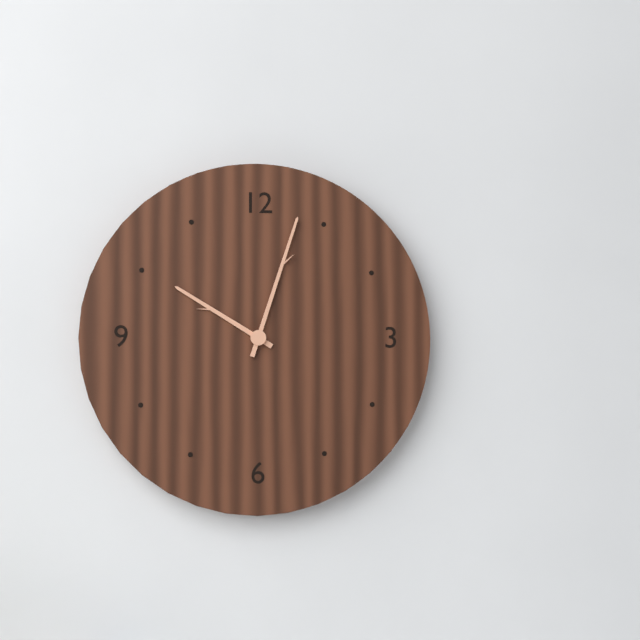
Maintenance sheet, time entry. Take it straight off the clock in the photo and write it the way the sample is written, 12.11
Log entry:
10.03
